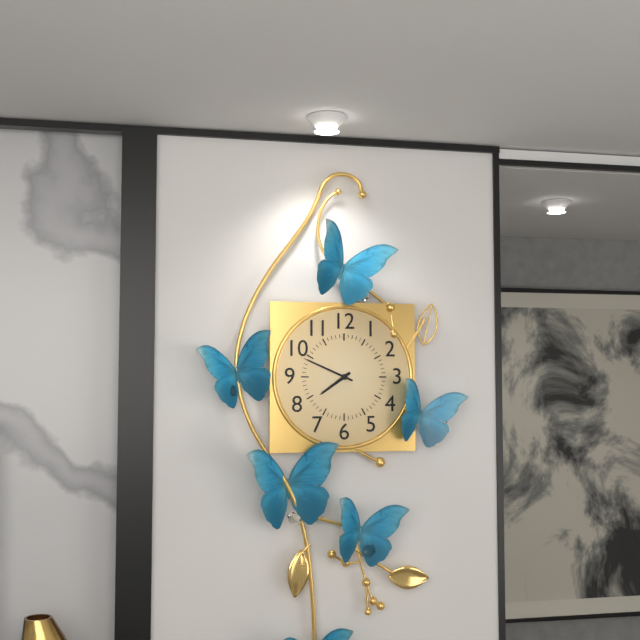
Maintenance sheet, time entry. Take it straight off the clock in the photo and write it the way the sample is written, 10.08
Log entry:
7.49
